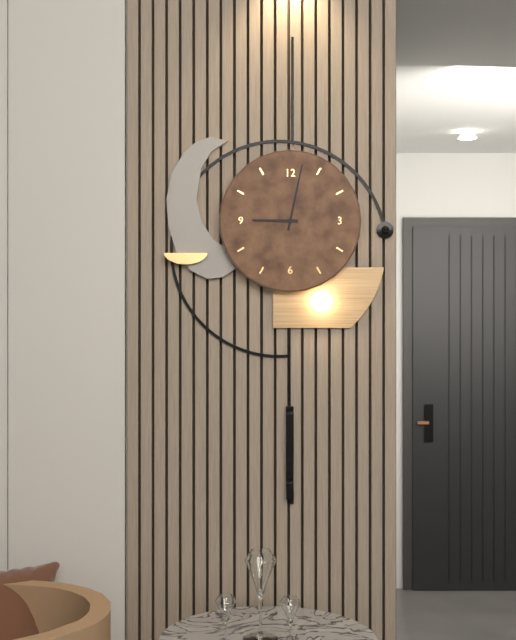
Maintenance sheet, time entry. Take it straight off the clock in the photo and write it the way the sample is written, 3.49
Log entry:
9.02
